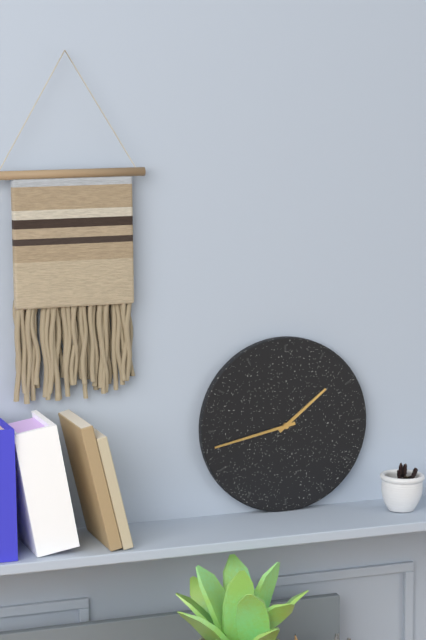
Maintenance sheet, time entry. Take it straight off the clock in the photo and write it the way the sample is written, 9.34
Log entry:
1.43
